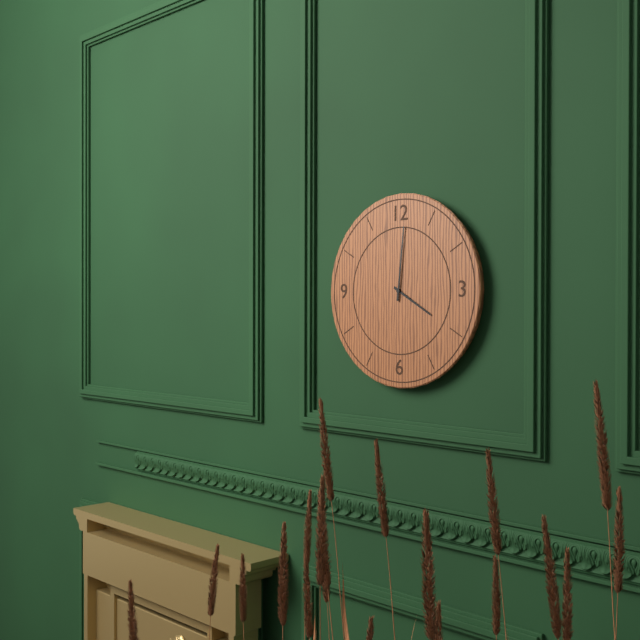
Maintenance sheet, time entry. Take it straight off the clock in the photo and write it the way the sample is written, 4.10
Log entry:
4.01
